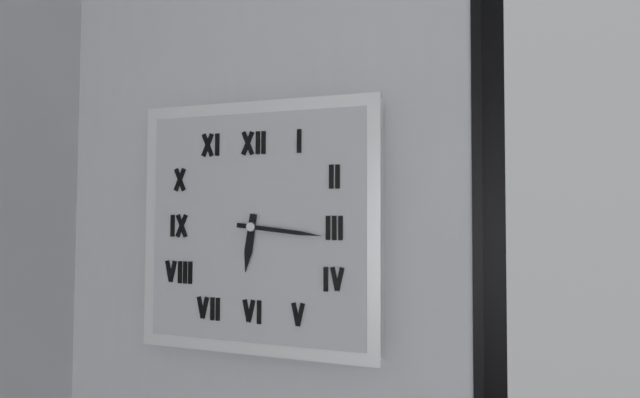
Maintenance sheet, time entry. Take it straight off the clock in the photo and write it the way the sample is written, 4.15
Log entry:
6.16
